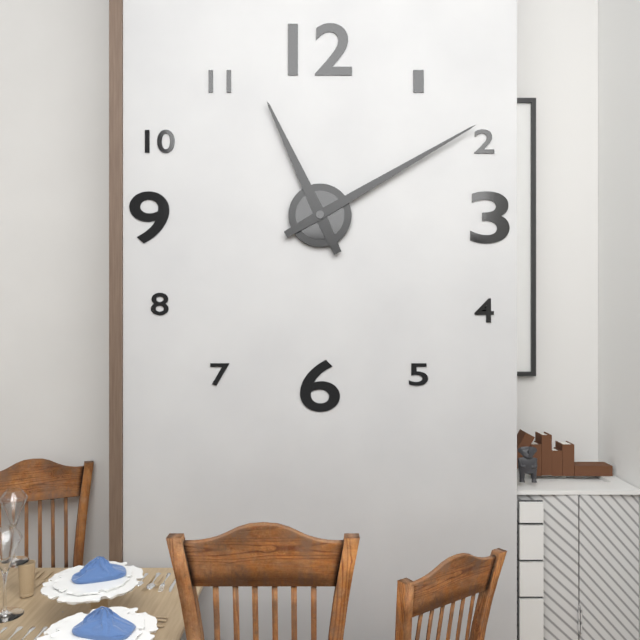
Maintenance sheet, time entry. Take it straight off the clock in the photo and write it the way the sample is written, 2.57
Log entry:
11.10
